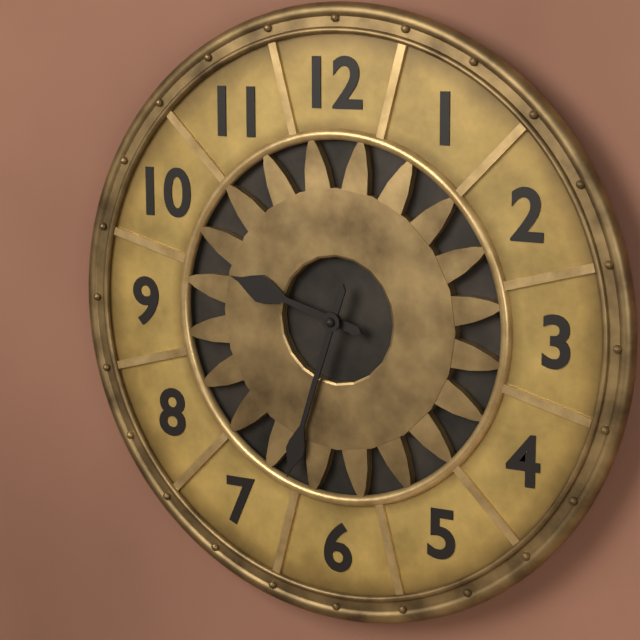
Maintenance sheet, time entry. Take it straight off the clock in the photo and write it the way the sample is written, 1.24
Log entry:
9.33
